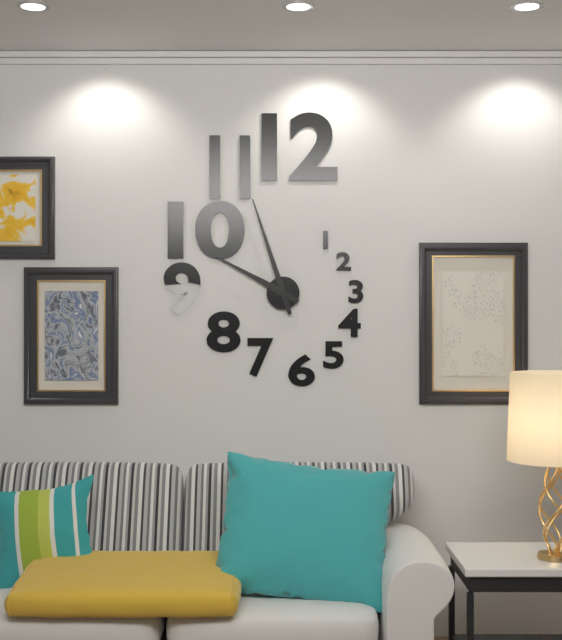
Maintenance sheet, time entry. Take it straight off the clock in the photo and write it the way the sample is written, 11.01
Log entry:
9.57
